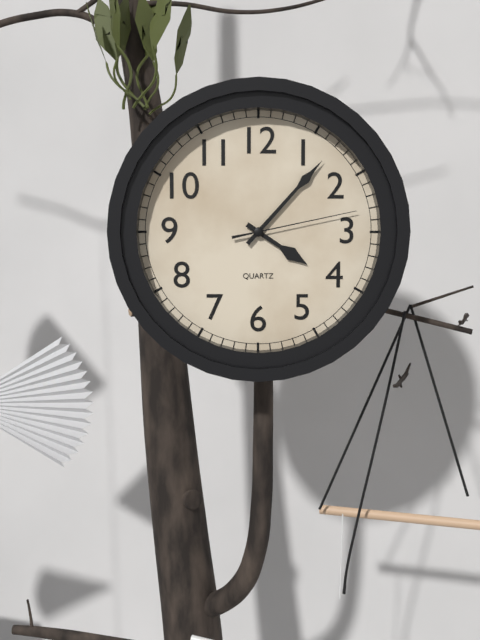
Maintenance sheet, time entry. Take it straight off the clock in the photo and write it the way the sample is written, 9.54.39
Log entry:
4.07.13
